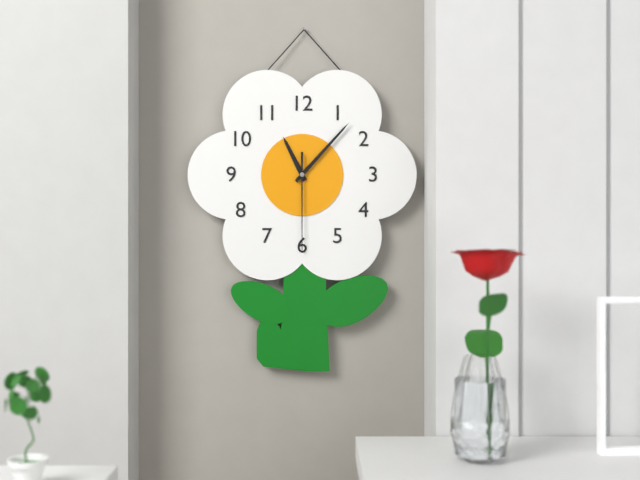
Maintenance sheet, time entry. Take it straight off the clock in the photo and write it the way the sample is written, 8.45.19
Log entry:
11.07.30
